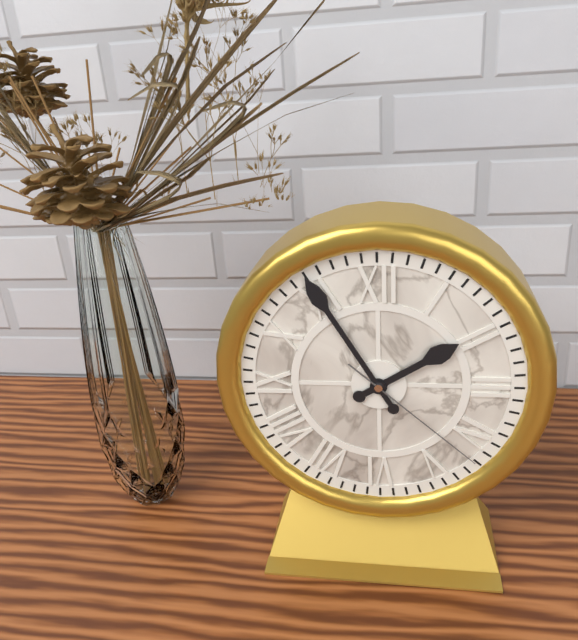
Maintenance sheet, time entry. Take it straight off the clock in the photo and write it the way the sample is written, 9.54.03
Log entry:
1.55.22
